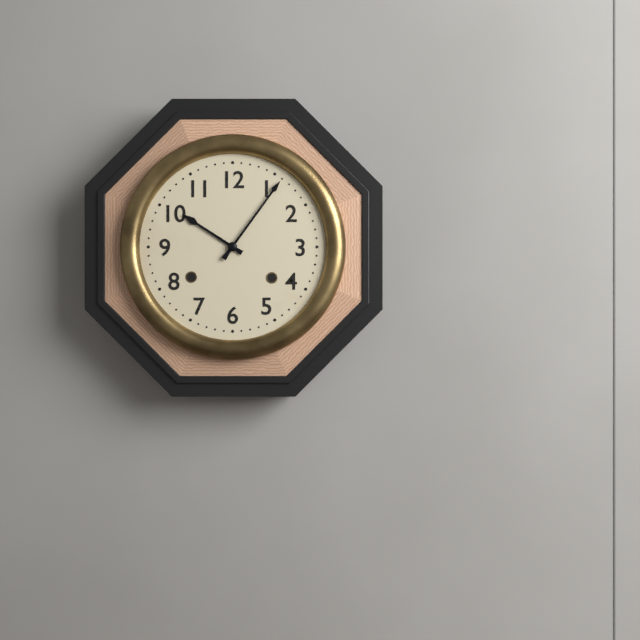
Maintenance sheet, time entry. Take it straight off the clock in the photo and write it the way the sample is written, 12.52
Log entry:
10.06
